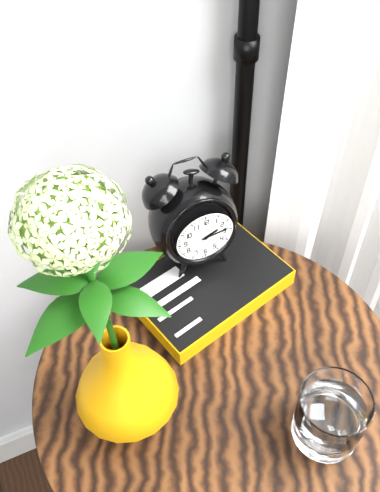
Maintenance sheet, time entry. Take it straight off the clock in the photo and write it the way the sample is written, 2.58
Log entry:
2.14
